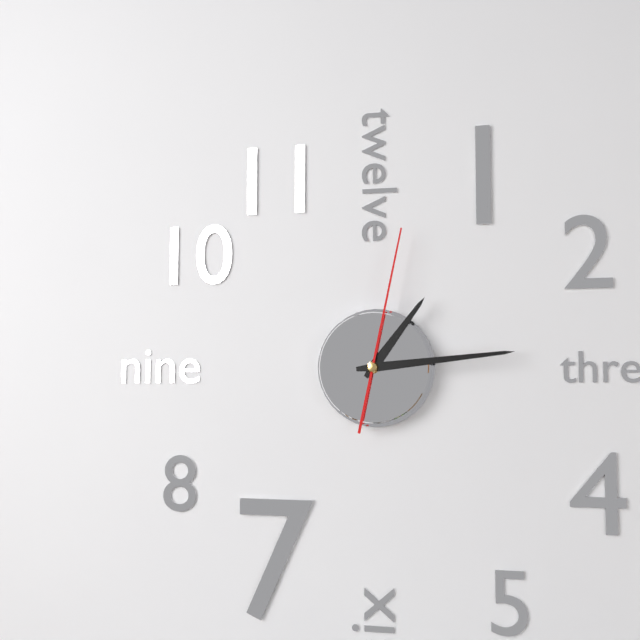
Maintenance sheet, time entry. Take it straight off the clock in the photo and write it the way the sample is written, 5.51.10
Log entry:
1.14.02
